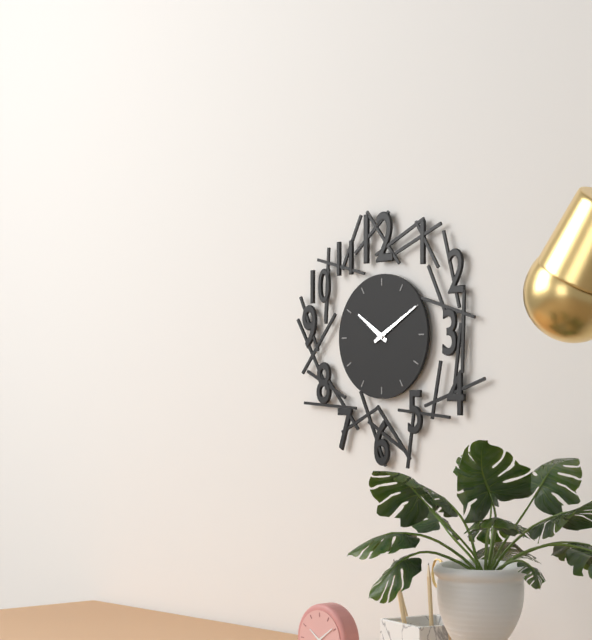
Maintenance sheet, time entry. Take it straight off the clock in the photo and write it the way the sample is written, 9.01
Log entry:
10.10
